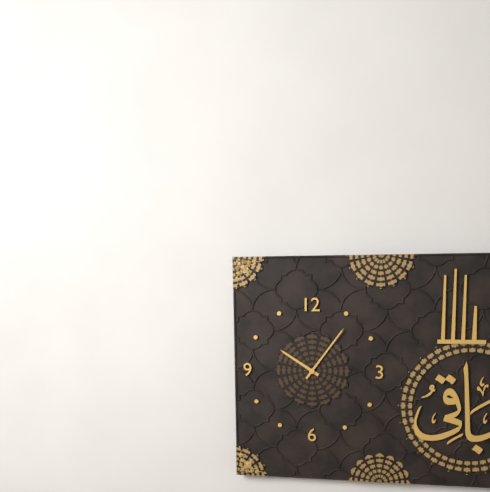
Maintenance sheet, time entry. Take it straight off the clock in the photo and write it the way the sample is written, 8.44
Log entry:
10.06
